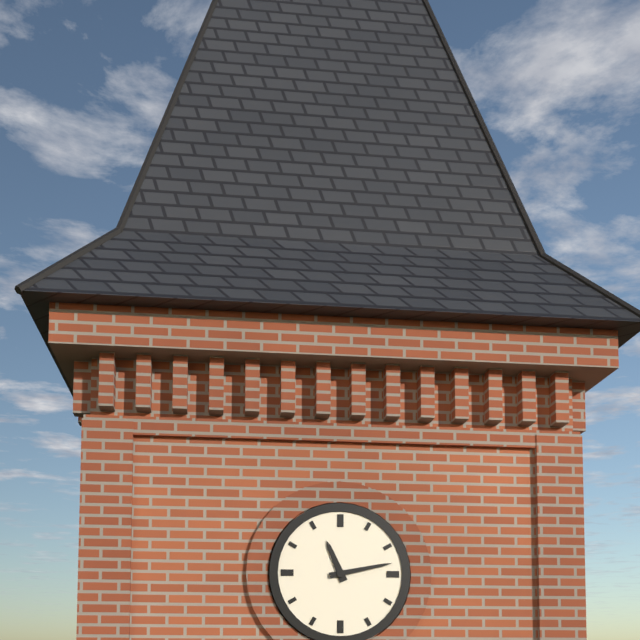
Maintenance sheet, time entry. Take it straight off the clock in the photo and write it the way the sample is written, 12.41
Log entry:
11.13
